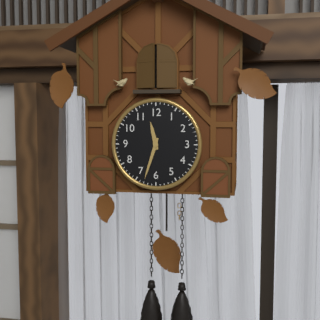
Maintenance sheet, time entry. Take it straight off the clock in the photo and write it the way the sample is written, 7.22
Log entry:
11.33
